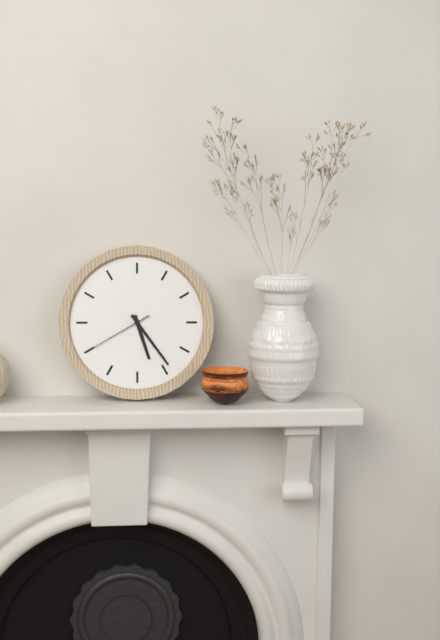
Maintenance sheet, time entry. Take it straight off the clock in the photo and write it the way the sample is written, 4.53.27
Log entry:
5.24.40
